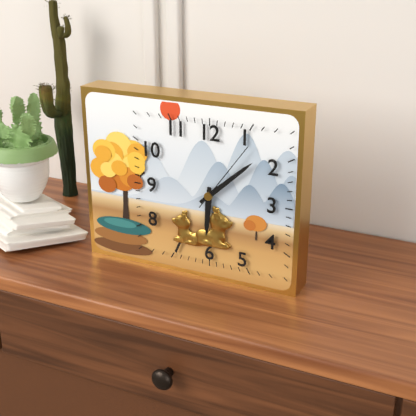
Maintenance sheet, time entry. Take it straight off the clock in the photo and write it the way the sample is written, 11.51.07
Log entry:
6.08.06
